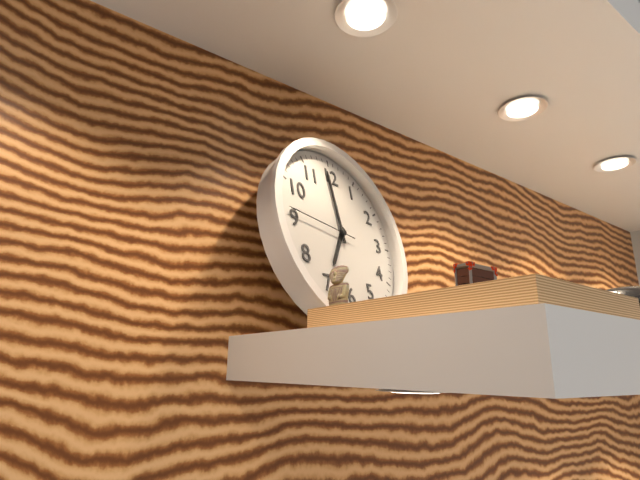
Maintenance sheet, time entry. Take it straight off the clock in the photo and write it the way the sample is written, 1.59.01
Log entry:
6.59.46
